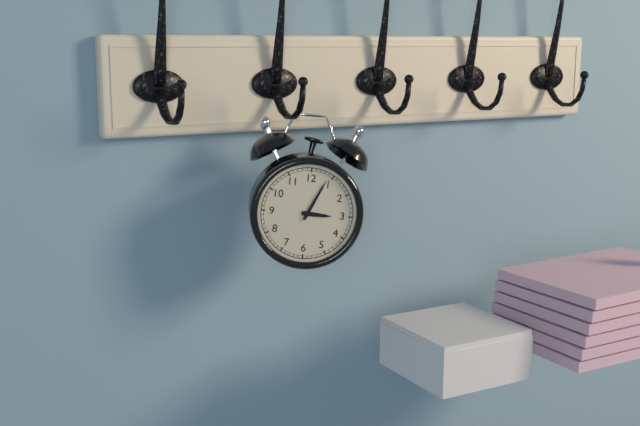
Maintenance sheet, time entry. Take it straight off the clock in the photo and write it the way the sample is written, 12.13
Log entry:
3.04
